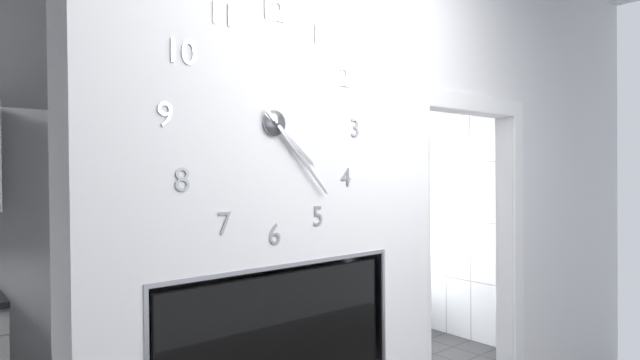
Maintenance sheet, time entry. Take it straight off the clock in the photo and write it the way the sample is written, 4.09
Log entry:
4.23
